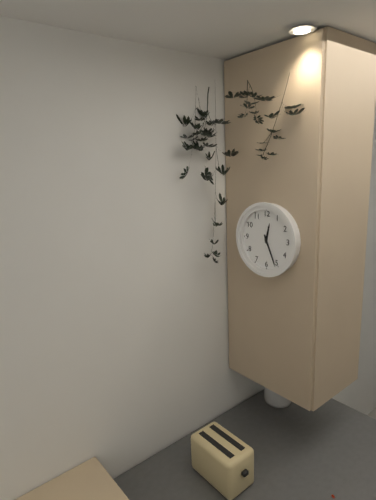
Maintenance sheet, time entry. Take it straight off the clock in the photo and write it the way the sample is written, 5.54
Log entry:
12.26
